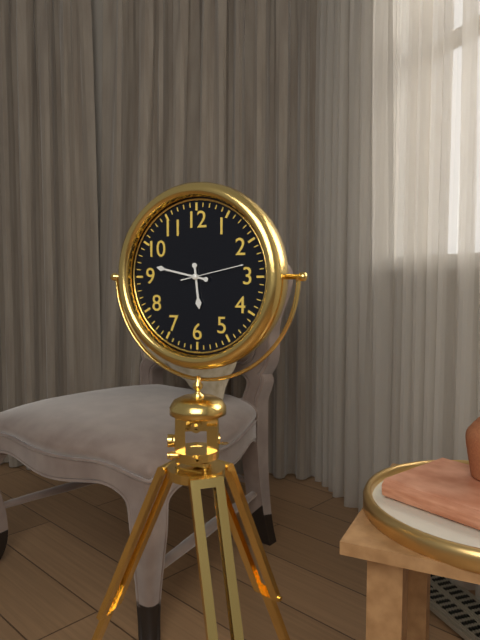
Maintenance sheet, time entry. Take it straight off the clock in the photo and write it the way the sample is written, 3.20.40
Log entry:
5.47.13
